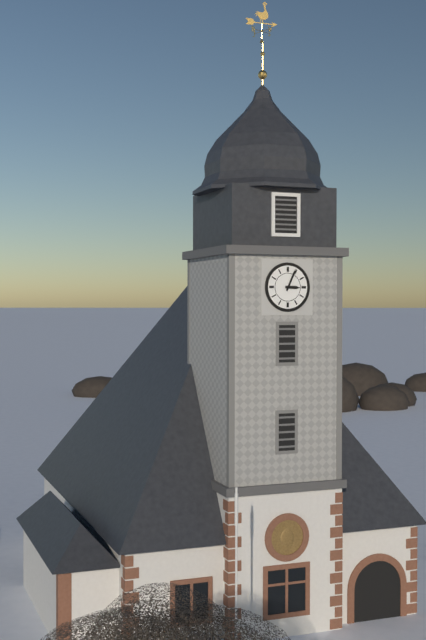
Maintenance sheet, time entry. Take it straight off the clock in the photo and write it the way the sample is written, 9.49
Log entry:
3.04
